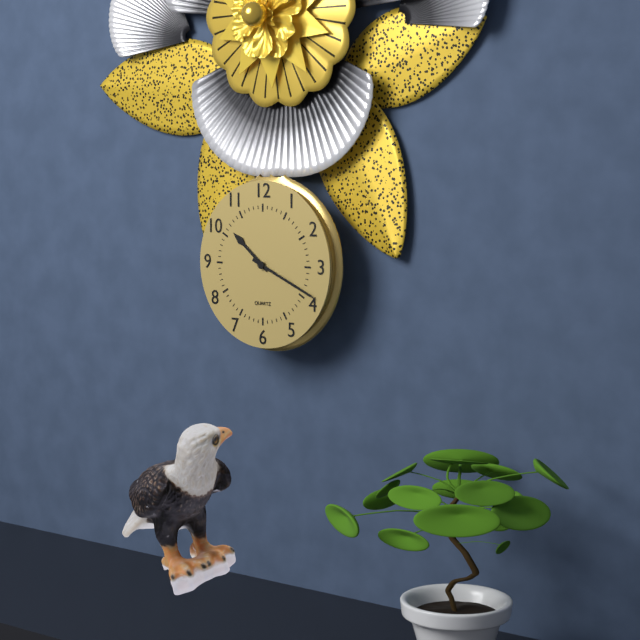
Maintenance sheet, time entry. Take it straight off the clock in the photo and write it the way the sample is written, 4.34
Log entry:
10.19
